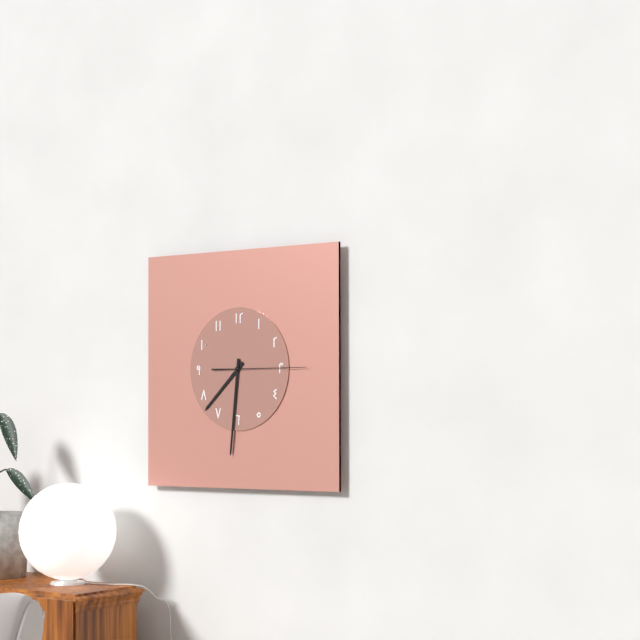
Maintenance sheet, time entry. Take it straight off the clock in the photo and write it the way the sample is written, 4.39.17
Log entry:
7.31.15
